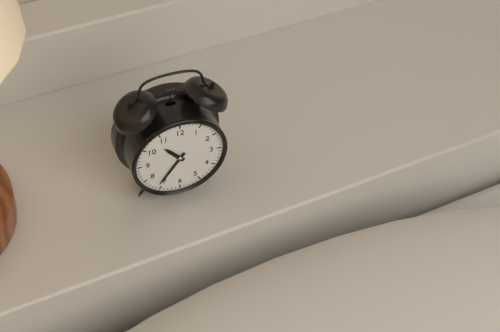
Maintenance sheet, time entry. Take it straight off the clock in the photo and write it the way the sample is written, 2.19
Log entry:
10.36
